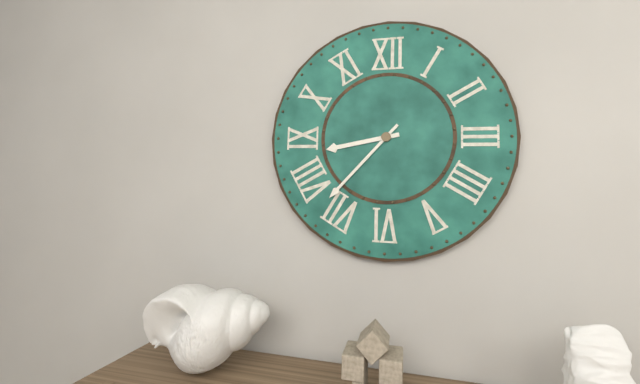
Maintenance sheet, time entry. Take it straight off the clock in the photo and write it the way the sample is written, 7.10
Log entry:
8.37
